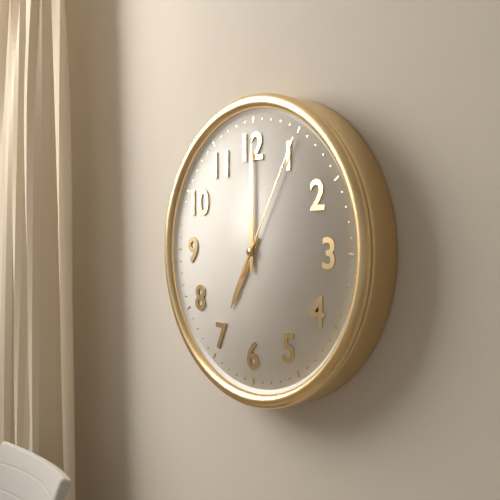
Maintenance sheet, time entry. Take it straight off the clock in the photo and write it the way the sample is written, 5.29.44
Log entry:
7.00.05
